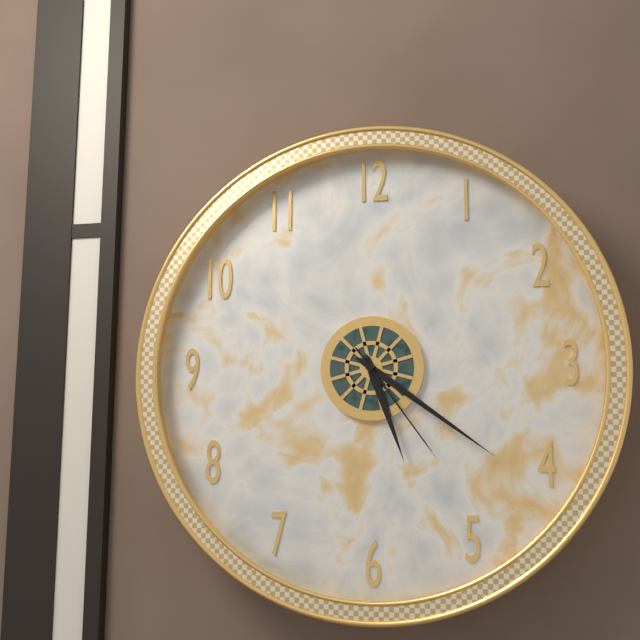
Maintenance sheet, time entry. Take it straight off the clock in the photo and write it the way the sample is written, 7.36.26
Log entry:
5.21.24
